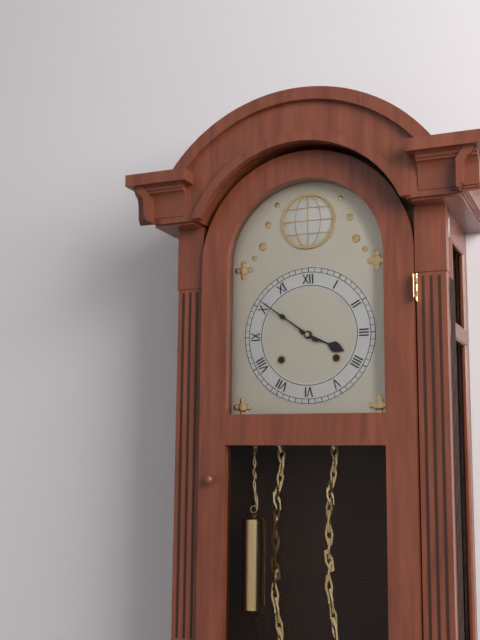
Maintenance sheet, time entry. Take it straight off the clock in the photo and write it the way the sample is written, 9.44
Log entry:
3.51
